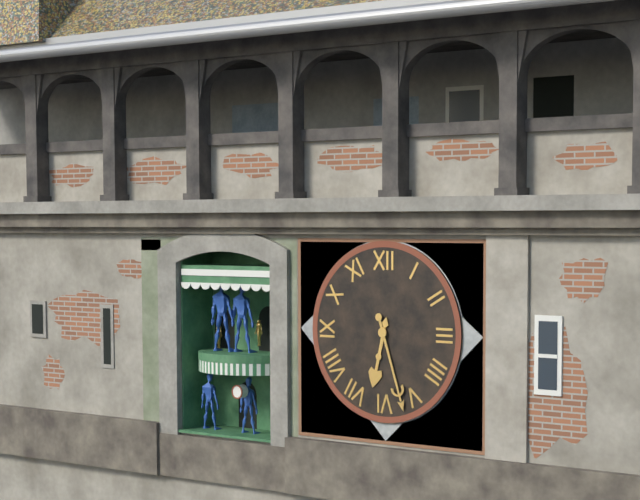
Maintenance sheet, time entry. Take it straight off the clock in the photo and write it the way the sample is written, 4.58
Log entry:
6.27
